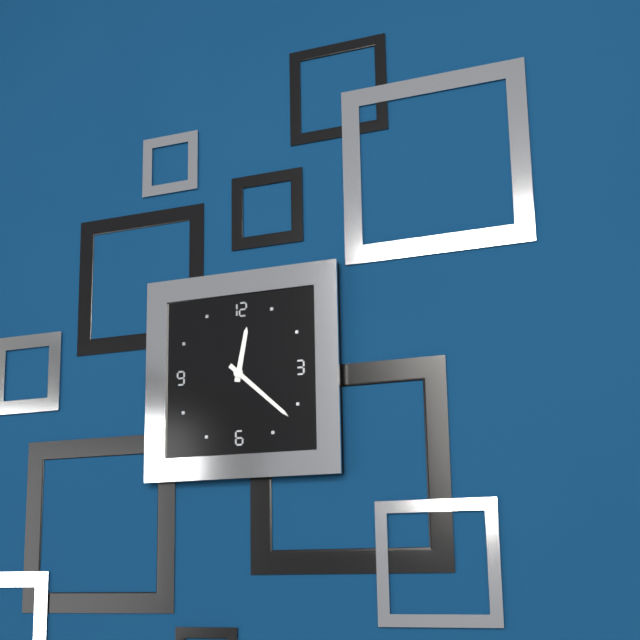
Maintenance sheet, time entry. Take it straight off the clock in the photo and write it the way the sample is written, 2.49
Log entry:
12.22
